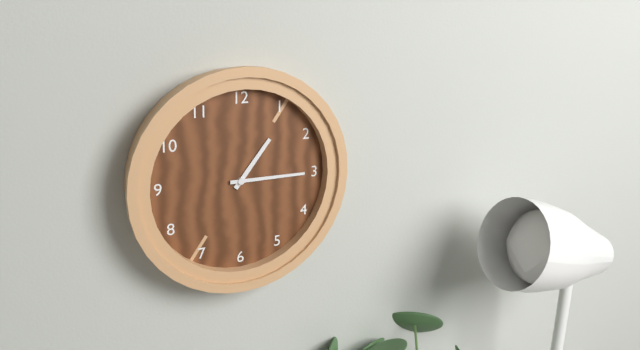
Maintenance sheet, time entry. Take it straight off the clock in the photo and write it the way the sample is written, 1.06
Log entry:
1.15
